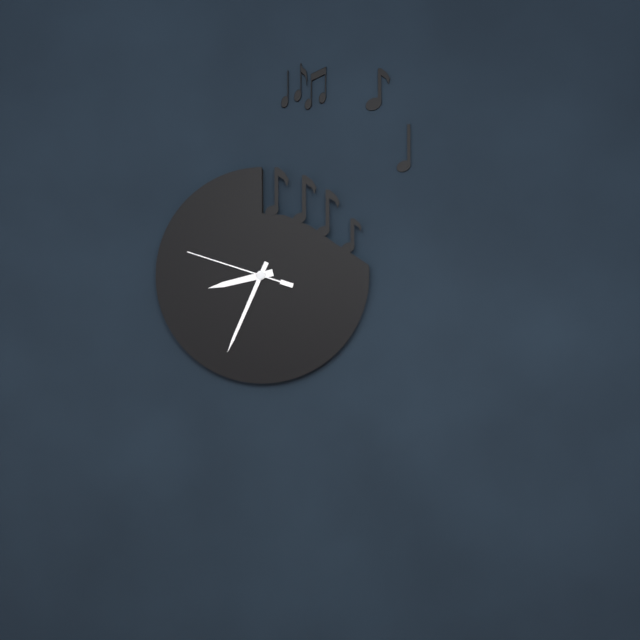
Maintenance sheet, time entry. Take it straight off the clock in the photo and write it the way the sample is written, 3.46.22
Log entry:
8.34.48
